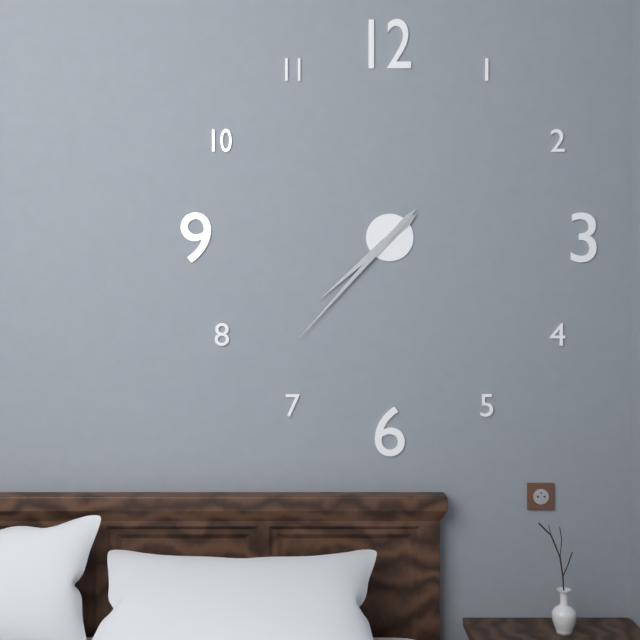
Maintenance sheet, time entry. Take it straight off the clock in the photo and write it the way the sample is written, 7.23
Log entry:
7.37
